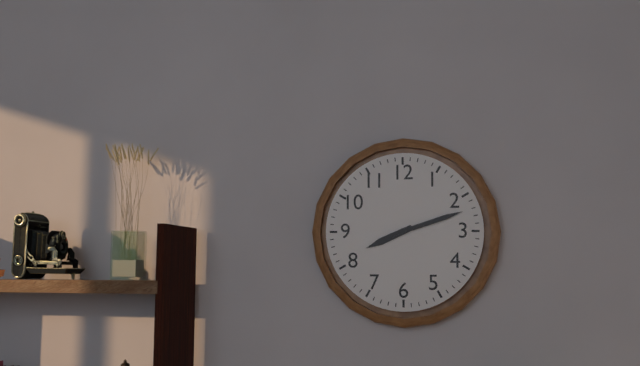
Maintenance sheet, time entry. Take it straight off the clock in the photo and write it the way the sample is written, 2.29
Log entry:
8.12
